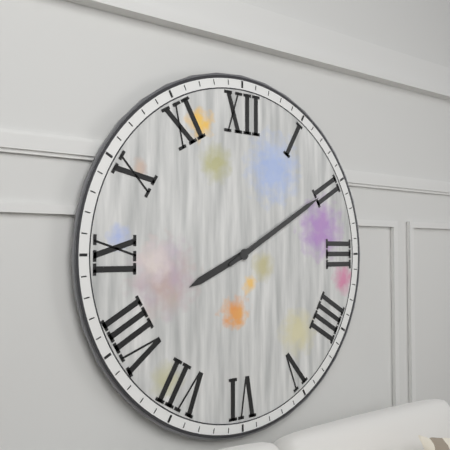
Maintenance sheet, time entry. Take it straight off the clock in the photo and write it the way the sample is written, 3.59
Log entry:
8.10
